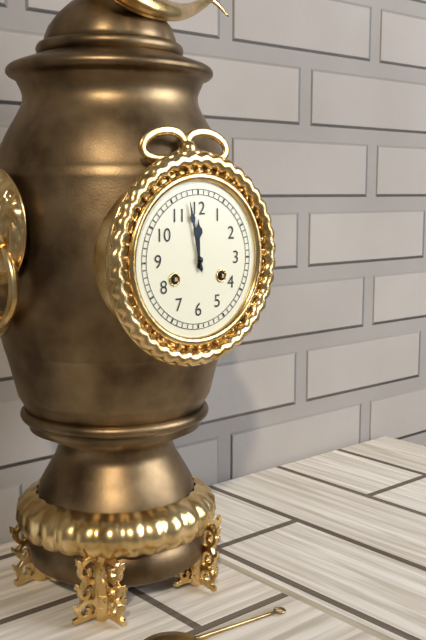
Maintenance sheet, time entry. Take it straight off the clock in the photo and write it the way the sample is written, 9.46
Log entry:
11.58
